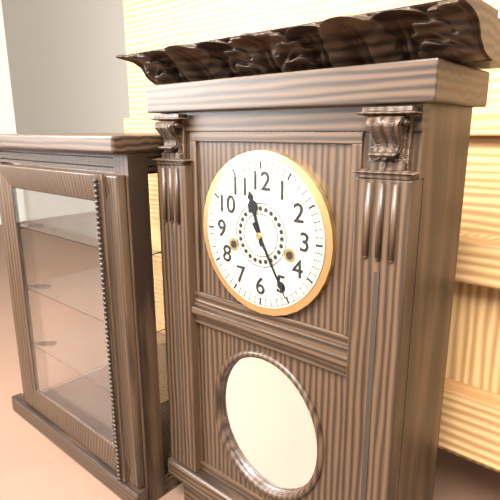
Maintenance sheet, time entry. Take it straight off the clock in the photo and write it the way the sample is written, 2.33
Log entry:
11.25
